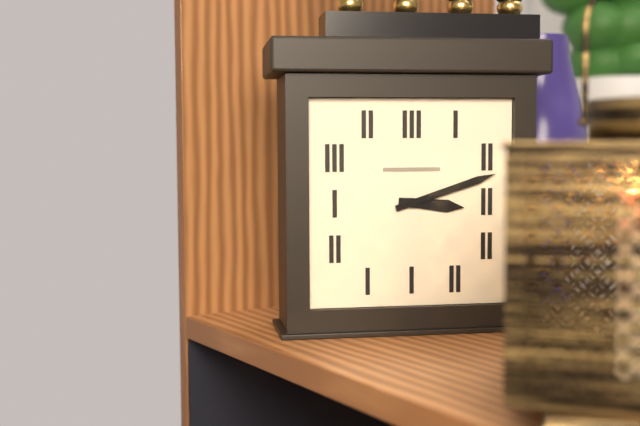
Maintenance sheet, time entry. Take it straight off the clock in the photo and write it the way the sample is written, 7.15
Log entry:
3.12
